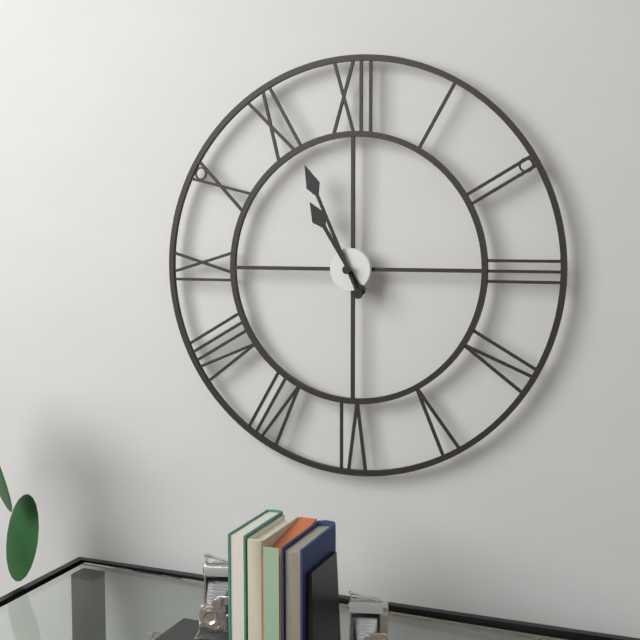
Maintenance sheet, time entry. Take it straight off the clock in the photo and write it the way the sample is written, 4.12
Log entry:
10.56
